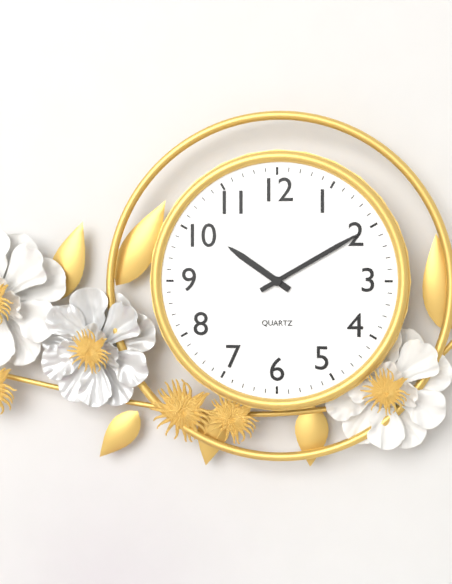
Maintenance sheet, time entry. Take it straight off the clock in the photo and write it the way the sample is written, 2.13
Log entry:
10.10
